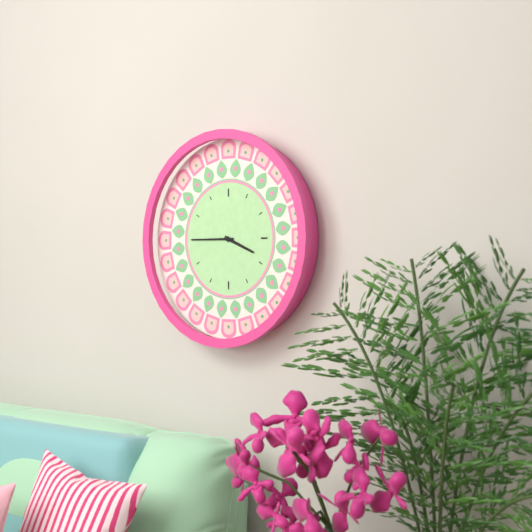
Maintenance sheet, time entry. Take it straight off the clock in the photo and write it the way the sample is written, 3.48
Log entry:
3.45
